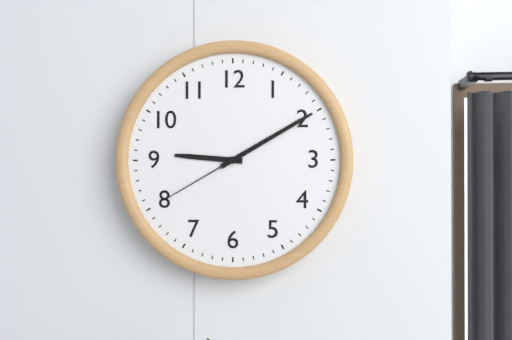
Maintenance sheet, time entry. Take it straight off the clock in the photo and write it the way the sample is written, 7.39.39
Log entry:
9.10.40
